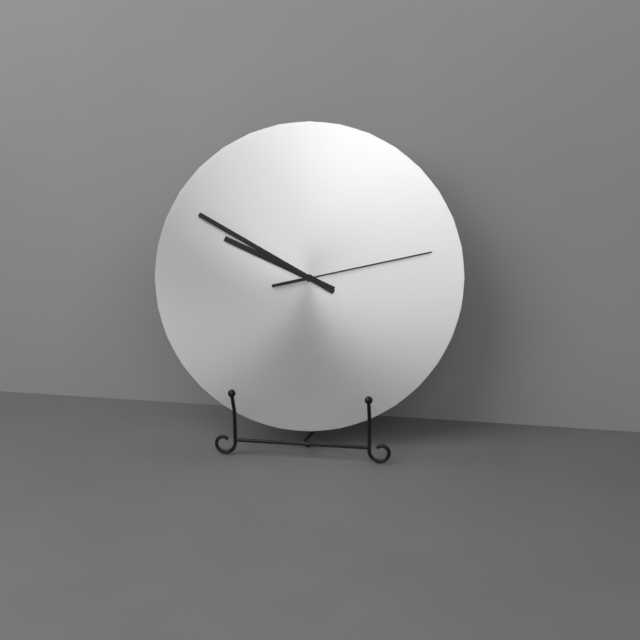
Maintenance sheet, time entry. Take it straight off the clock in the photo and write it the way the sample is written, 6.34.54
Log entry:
9.50.13
